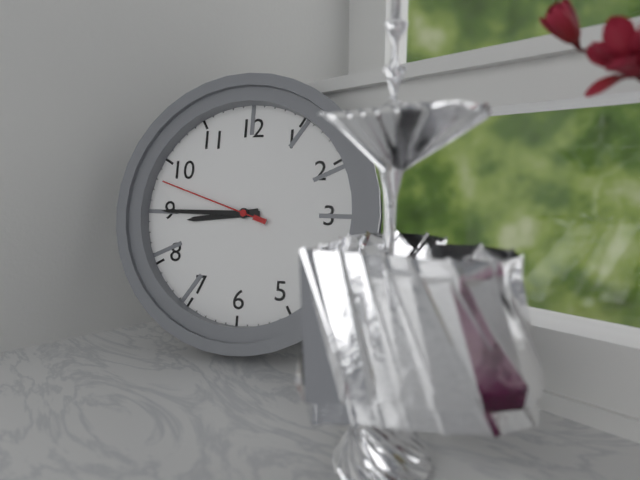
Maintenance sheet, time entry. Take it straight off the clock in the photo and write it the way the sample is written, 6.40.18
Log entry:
8.45.48
